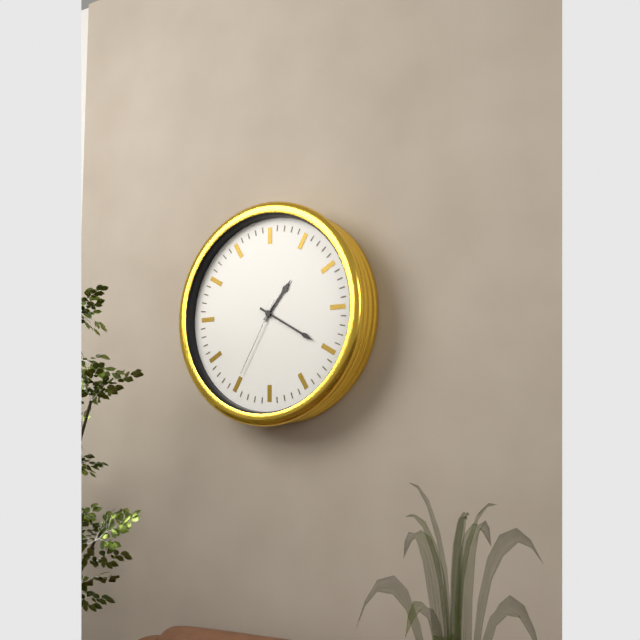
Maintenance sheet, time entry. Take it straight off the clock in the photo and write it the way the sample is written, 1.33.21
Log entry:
1.20.35
